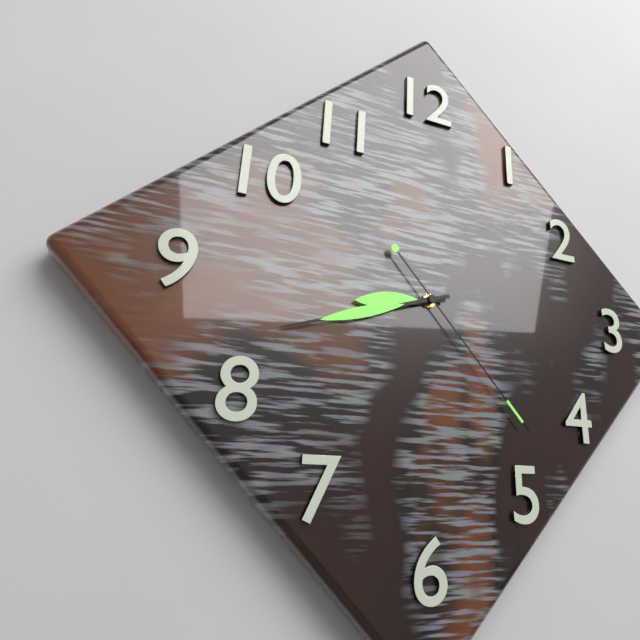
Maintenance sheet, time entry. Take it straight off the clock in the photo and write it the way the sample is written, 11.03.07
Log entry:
8.42.23
